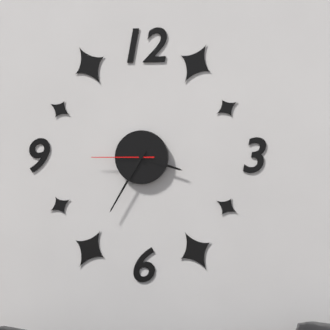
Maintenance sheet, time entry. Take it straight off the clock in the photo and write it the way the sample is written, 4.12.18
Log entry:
3.35.45
